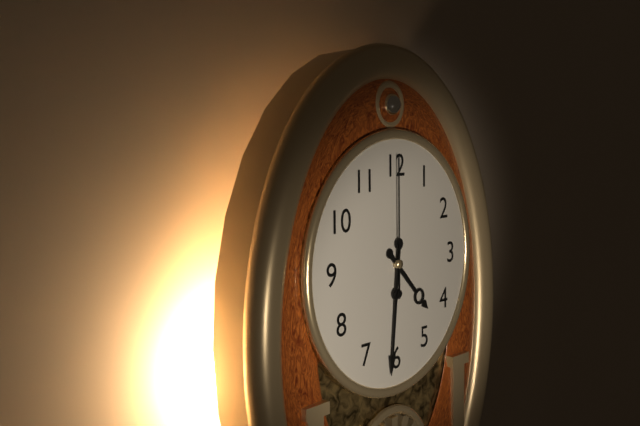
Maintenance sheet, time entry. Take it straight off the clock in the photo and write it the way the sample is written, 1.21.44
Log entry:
4.31.00
